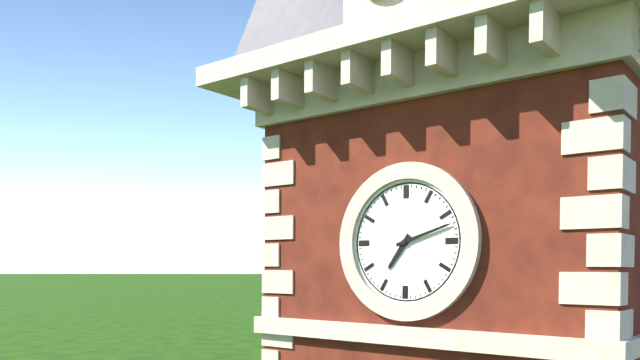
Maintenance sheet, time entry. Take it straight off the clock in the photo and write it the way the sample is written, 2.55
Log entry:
7.12
